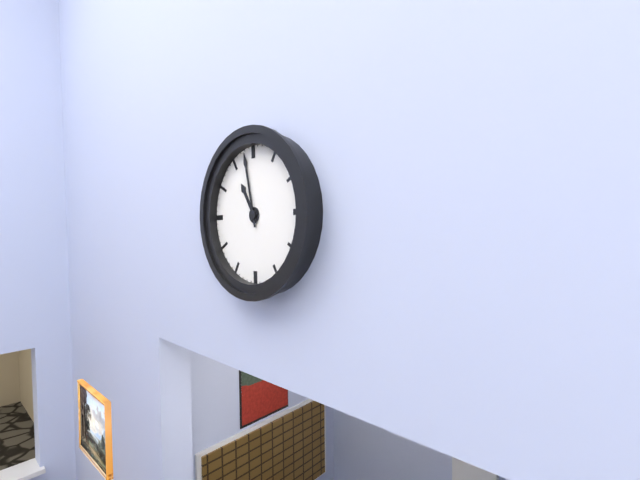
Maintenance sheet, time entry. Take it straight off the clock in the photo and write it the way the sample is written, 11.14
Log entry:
10.58
